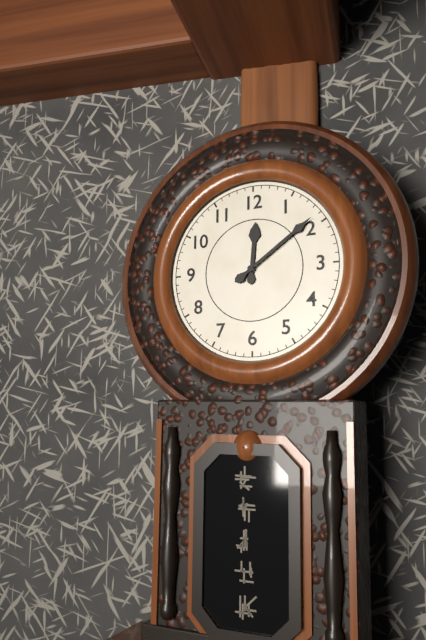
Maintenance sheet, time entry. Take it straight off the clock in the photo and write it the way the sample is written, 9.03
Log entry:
12.09
